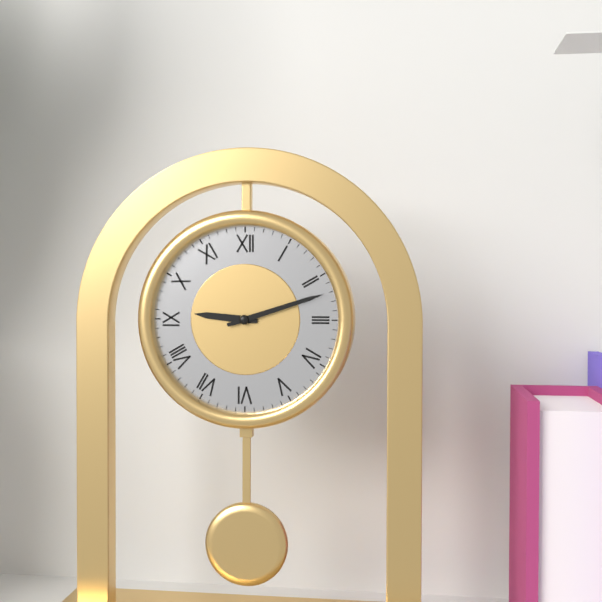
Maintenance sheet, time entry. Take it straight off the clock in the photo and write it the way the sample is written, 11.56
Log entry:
9.12
